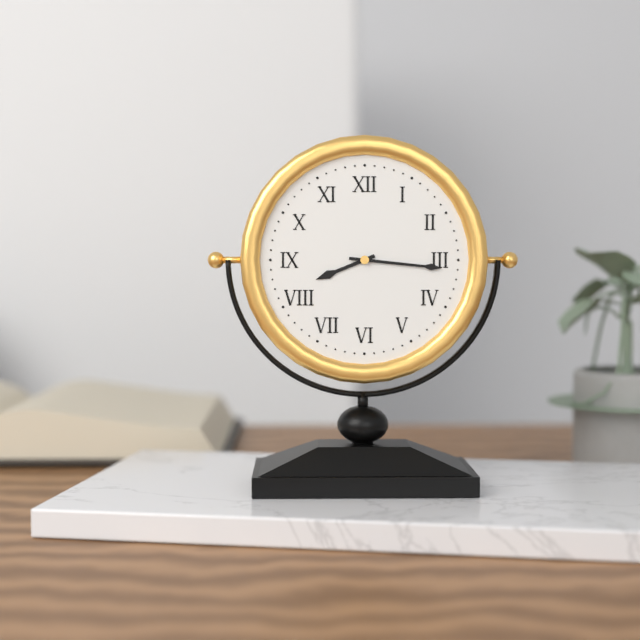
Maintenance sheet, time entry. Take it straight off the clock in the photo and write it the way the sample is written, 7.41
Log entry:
8.16
